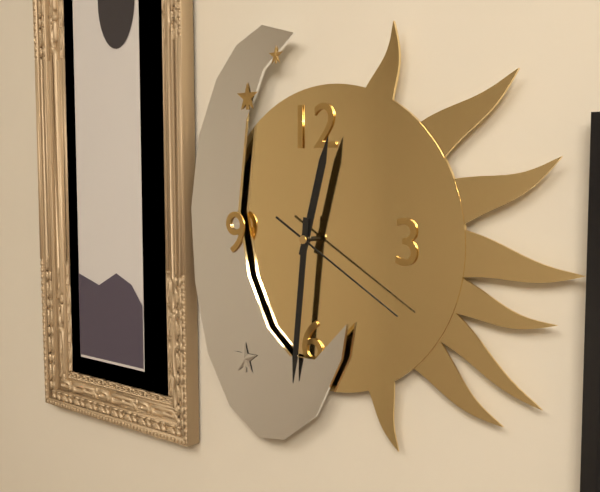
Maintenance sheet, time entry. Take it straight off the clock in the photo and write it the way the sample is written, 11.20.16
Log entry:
12.31.20
